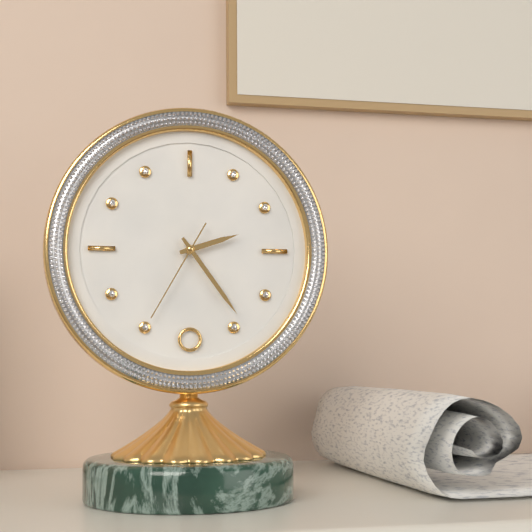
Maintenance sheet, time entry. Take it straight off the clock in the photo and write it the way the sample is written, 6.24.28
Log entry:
2.24.35
